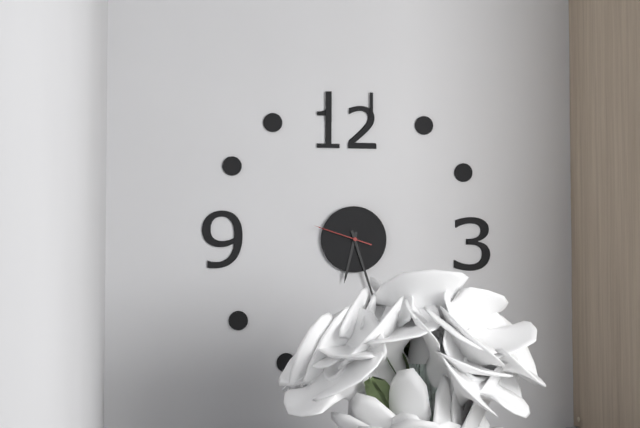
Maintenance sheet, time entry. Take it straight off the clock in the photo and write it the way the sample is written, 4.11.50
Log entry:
6.27.48
